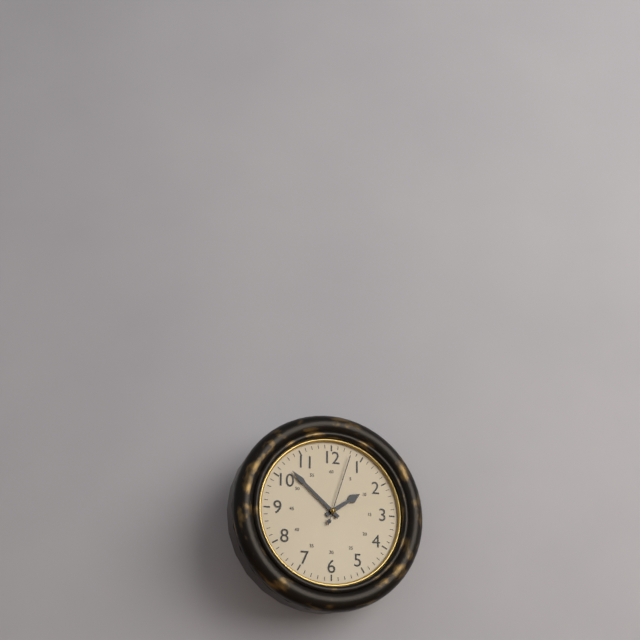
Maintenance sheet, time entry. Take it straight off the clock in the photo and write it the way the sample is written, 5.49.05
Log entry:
1.52.03
